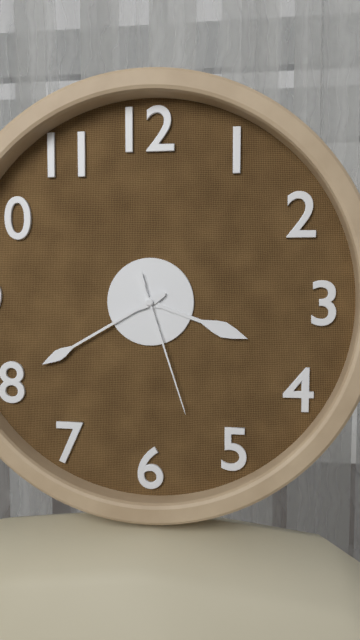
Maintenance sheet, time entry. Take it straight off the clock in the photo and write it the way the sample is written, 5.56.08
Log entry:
3.40.27
